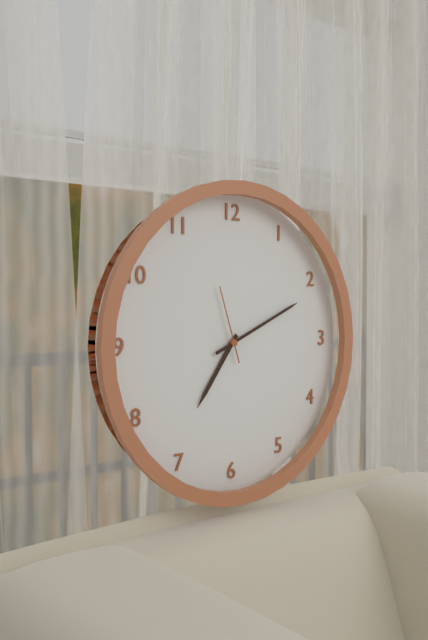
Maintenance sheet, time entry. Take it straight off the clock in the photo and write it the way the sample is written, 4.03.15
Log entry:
7.11.57
